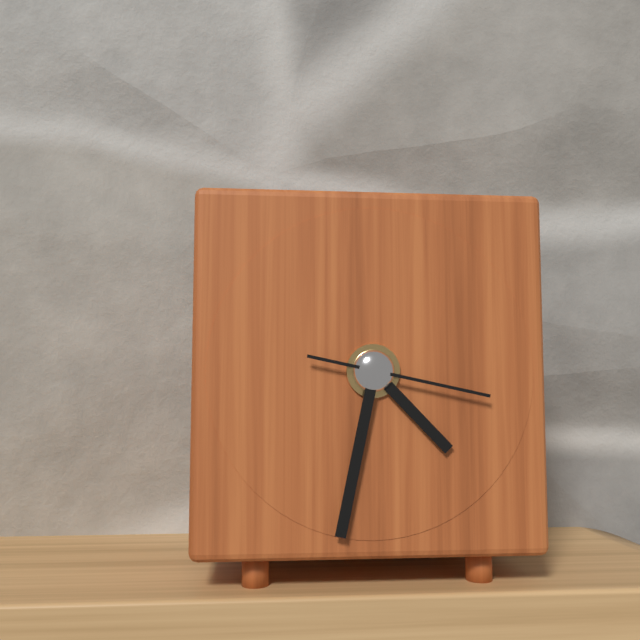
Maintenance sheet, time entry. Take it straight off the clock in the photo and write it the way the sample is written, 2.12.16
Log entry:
4.32.17
